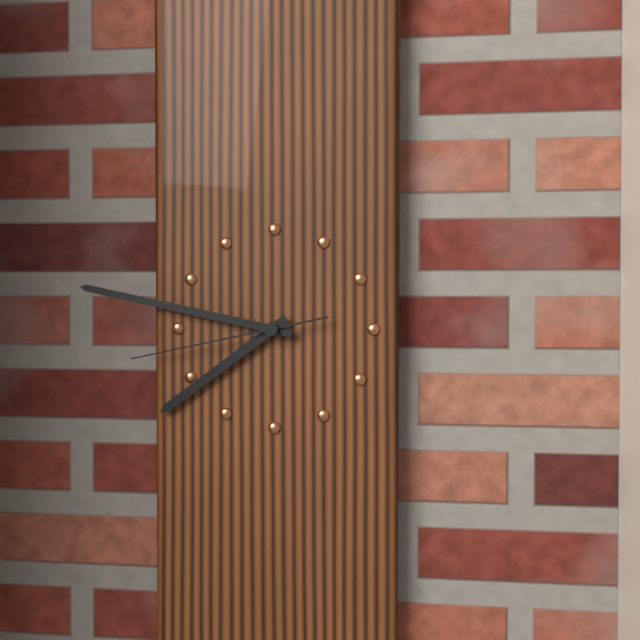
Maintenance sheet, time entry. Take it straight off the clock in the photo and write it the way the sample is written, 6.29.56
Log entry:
7.47.43
